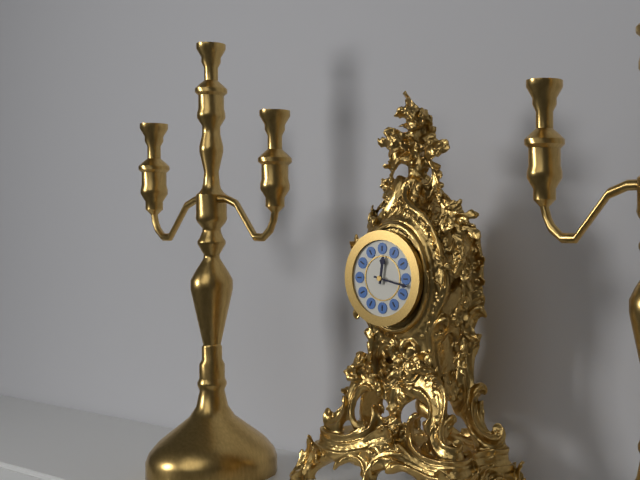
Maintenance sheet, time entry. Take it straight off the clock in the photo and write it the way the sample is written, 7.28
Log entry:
12.17
